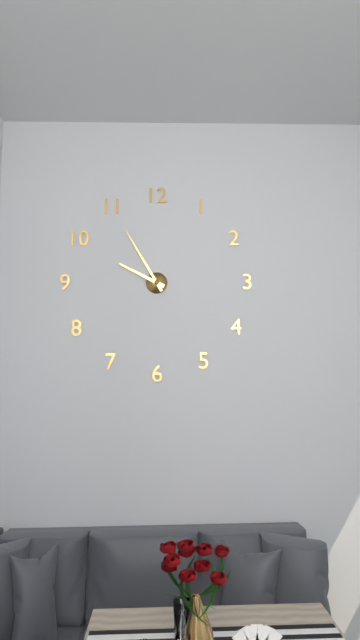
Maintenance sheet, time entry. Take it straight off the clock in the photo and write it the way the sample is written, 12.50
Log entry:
9.55
